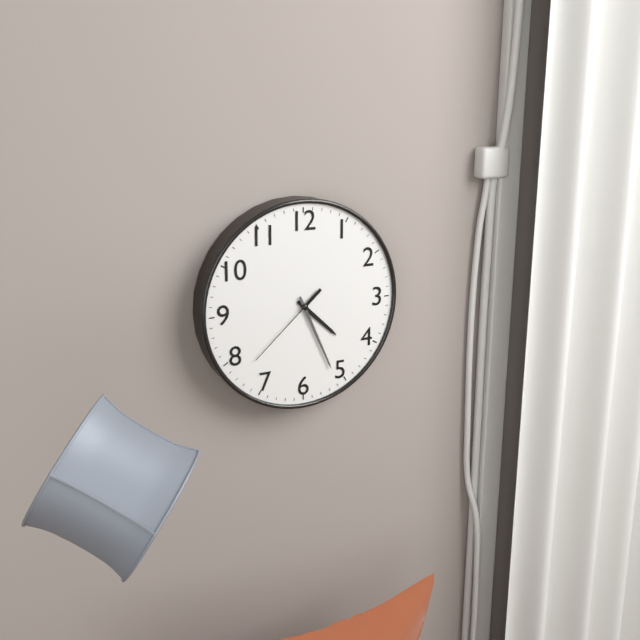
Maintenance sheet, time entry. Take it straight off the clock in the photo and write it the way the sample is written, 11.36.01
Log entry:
4.26.38
